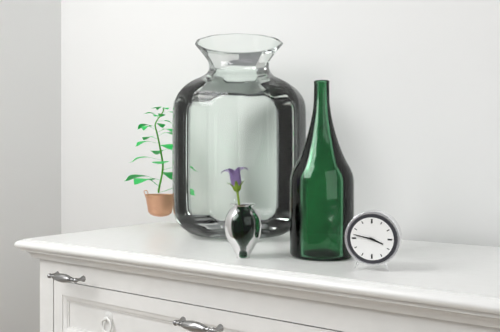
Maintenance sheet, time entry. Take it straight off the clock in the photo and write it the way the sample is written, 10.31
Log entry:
3.47
